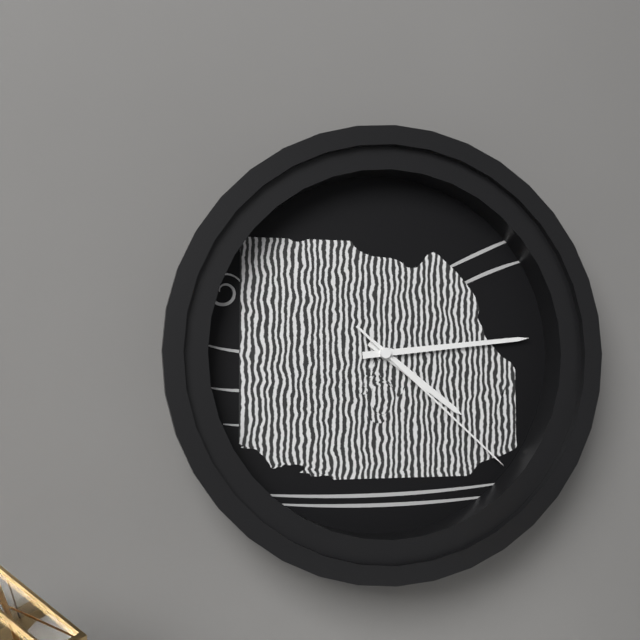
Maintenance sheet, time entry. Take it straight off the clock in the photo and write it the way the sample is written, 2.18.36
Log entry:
4.14.22
